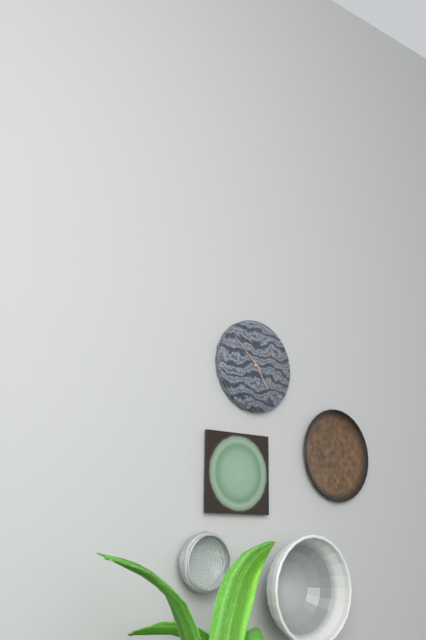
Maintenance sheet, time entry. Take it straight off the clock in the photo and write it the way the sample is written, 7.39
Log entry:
4.52
